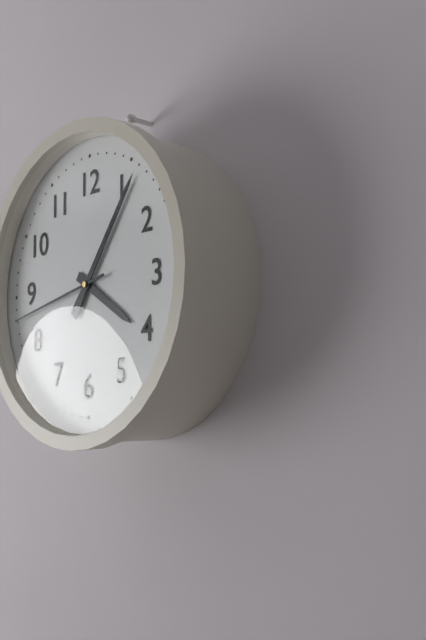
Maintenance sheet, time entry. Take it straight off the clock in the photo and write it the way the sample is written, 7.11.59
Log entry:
4.06.43
